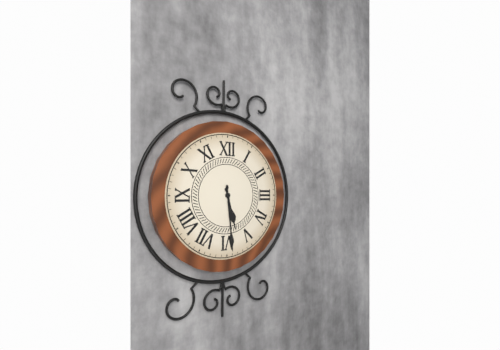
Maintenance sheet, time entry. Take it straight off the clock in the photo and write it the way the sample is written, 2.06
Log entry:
5.29
